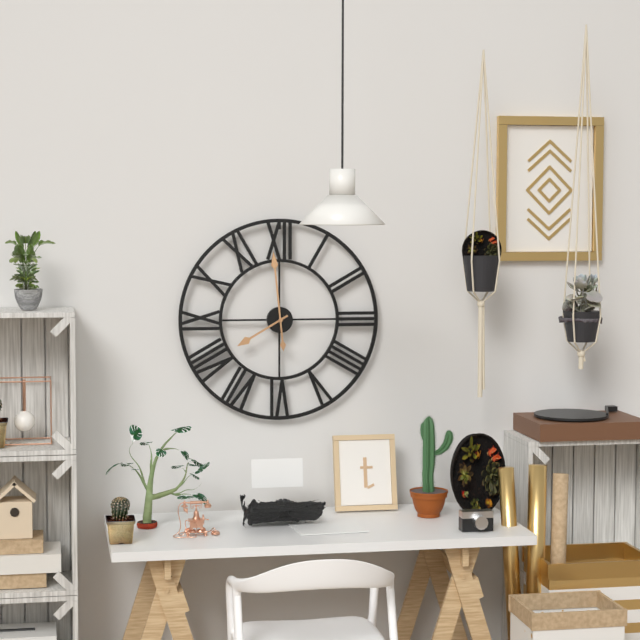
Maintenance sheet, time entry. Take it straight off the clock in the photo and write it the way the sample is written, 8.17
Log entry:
7.59
